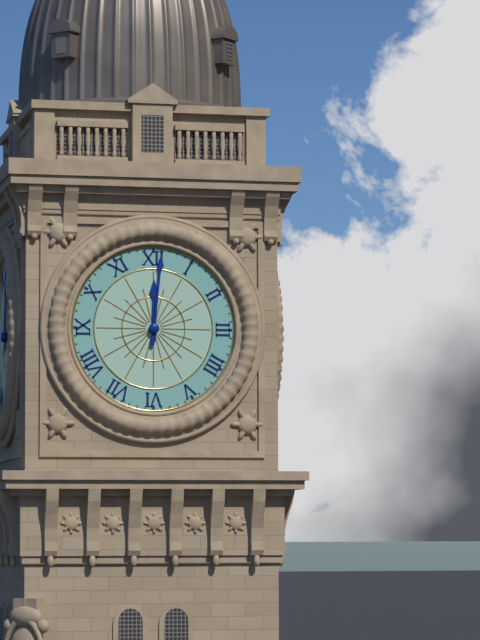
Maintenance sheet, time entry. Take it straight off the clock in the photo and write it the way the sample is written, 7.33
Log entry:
12.01
